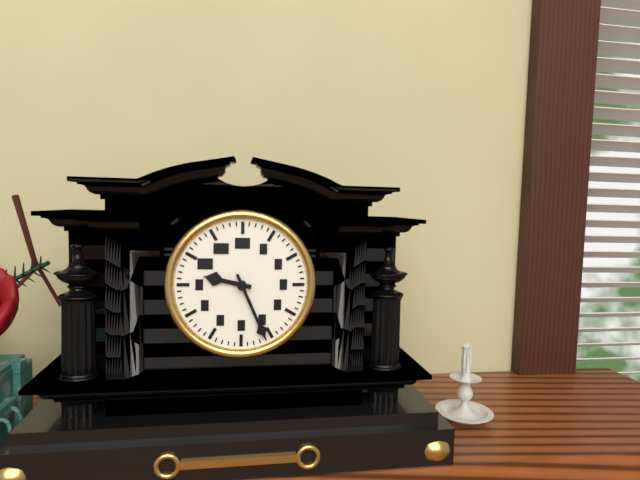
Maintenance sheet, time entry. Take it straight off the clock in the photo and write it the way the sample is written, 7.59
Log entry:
9.26
